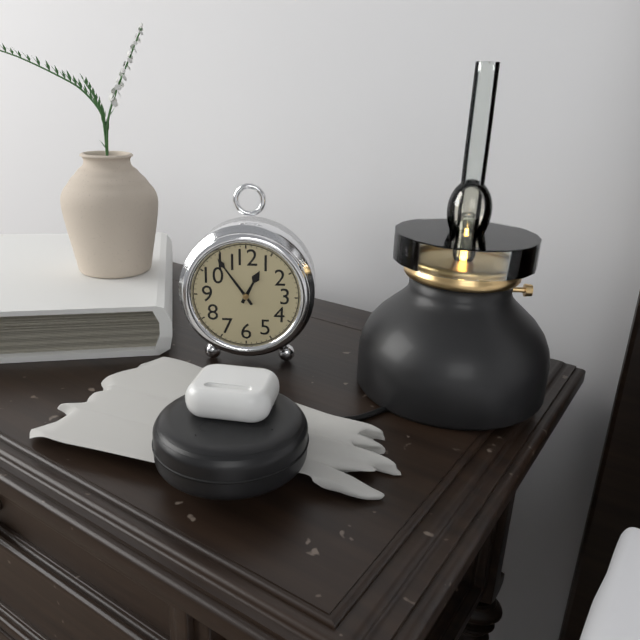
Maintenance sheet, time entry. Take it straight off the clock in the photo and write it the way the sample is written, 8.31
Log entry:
12.54
